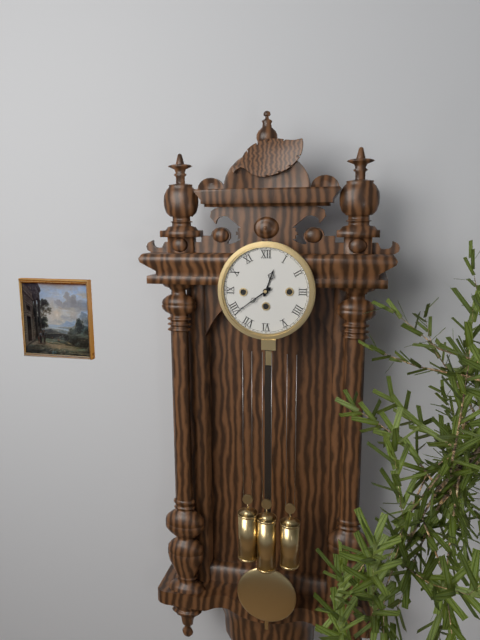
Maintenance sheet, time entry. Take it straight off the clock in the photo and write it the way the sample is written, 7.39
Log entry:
12.39
